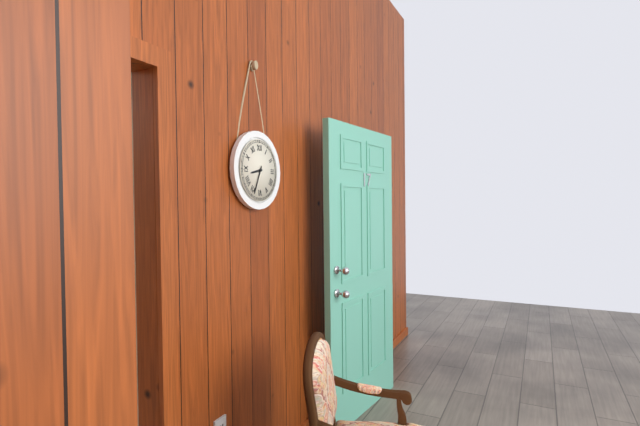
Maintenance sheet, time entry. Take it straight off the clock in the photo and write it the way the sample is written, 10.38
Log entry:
8.34
